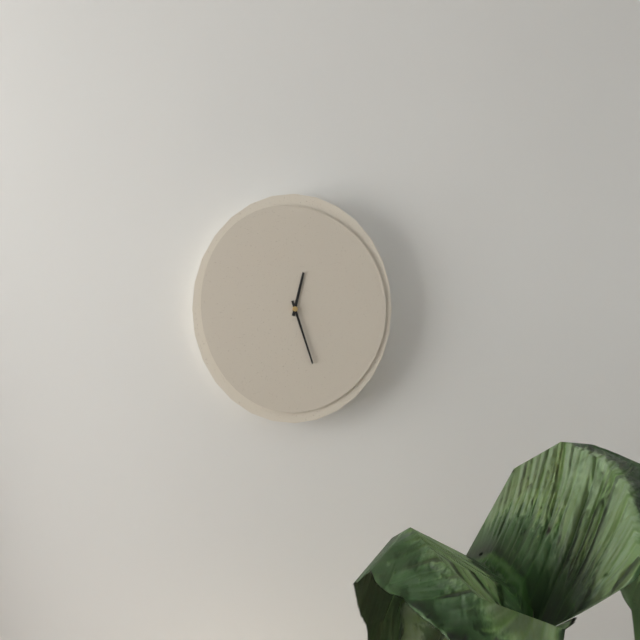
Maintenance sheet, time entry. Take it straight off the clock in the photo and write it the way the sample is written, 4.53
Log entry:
12.27
